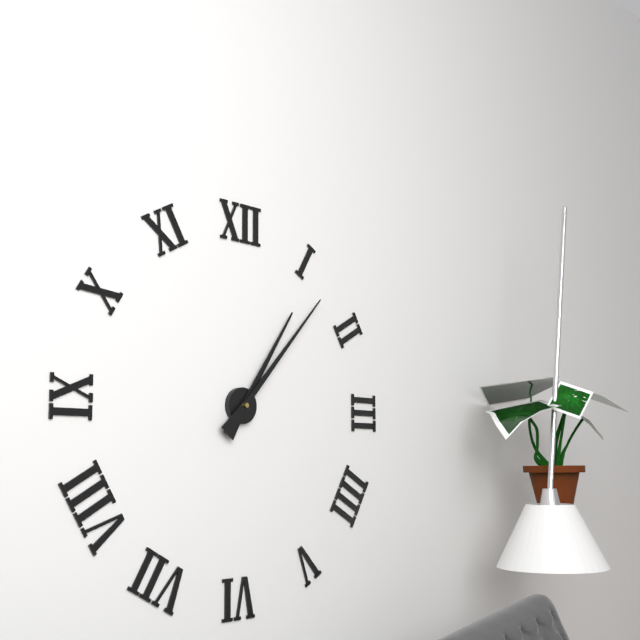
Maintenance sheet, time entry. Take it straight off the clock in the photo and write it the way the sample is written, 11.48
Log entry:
1.07
